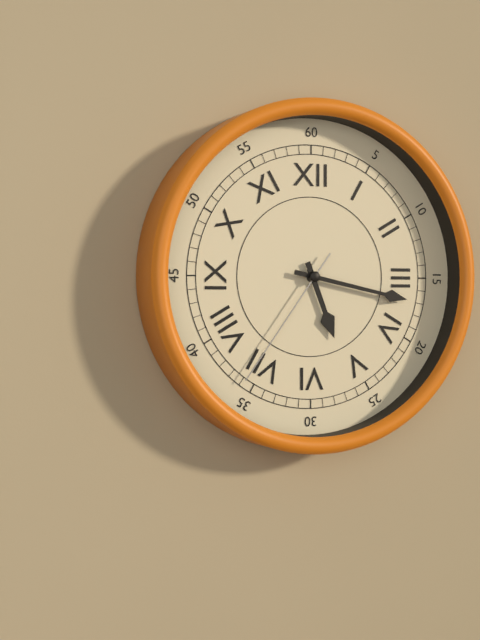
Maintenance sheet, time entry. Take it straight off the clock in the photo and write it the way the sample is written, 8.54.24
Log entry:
5.17.36
